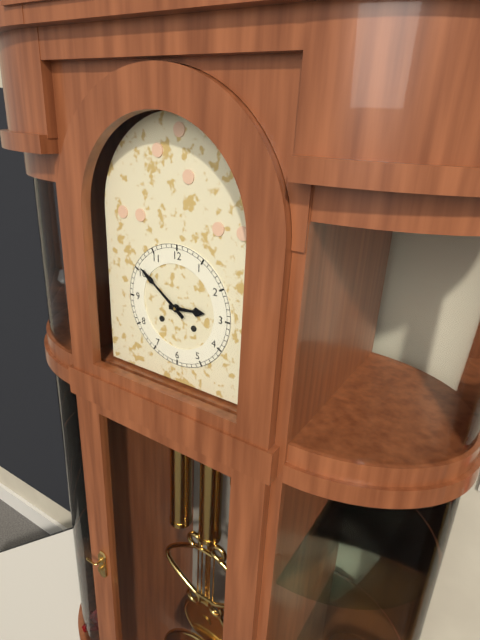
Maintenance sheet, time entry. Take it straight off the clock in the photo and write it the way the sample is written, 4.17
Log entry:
2.51
